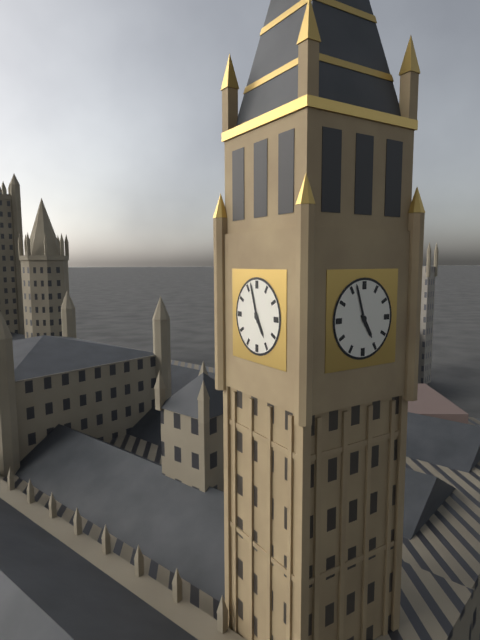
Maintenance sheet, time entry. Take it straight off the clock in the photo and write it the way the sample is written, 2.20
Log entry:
4.57
